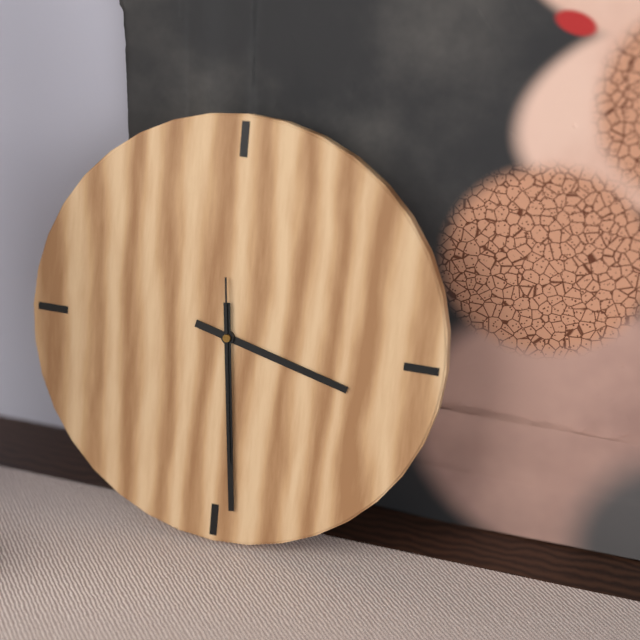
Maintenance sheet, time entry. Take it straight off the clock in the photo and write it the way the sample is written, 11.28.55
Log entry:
3.29.29
